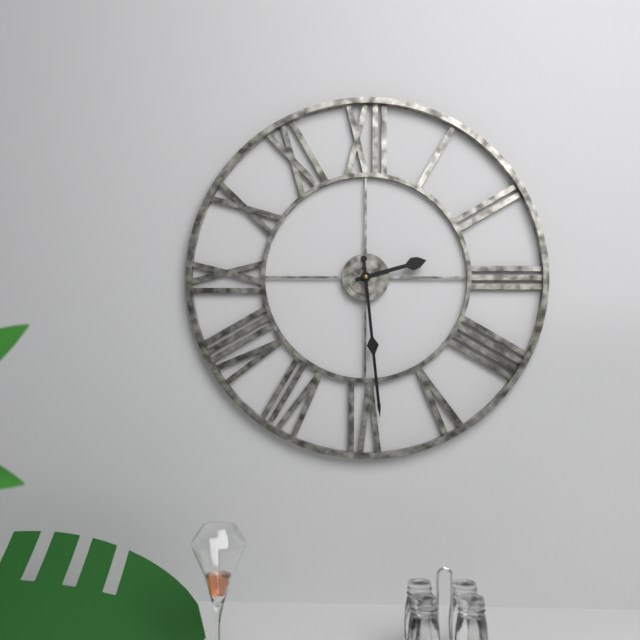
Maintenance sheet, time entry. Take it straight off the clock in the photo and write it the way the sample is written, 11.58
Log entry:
2.29
